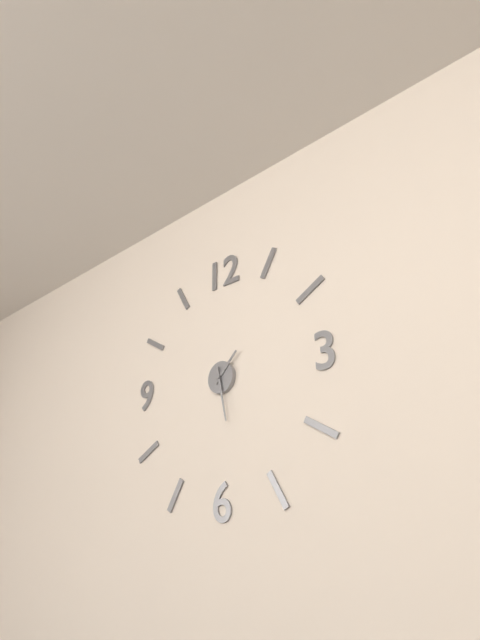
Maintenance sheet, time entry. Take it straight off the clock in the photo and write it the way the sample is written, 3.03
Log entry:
1.28
